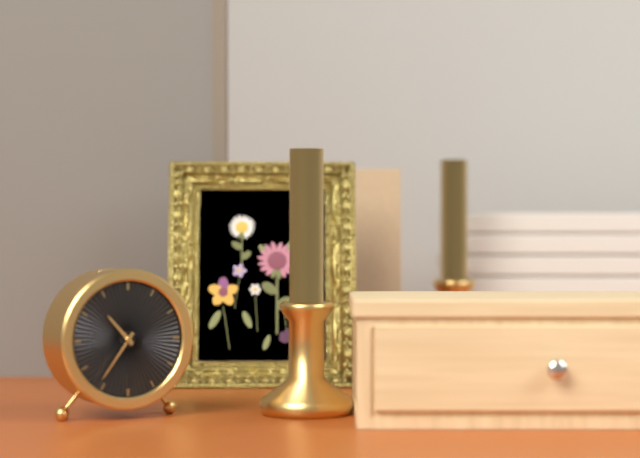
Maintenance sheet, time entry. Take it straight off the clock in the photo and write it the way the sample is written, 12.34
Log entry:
10.36
